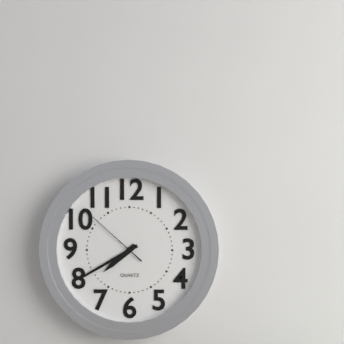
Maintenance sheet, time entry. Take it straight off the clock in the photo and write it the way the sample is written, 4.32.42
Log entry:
7.40.52
